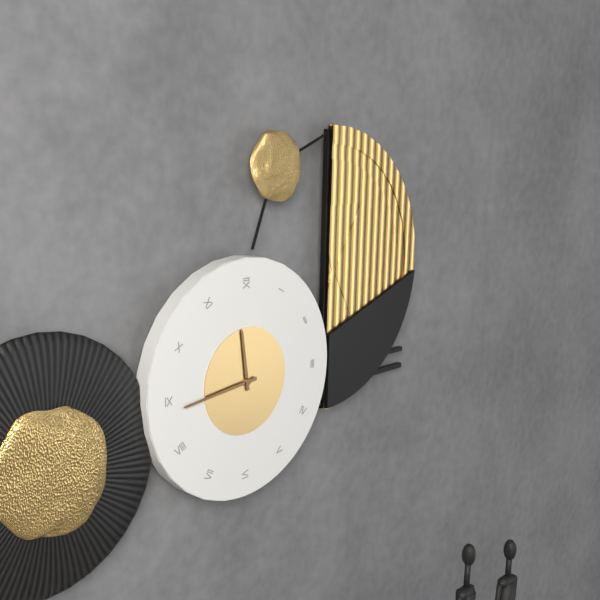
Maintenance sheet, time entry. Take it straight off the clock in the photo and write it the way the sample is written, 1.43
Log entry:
11.44
